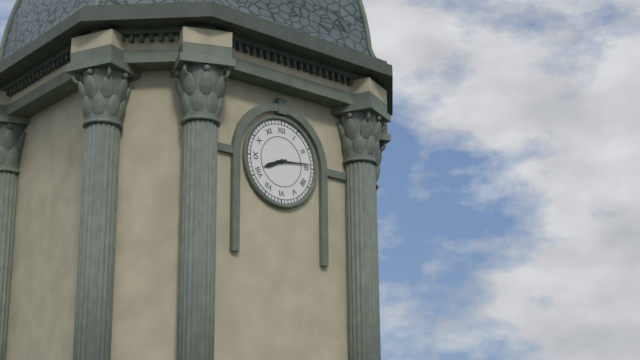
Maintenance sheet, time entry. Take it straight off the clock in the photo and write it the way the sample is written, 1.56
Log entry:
8.14
